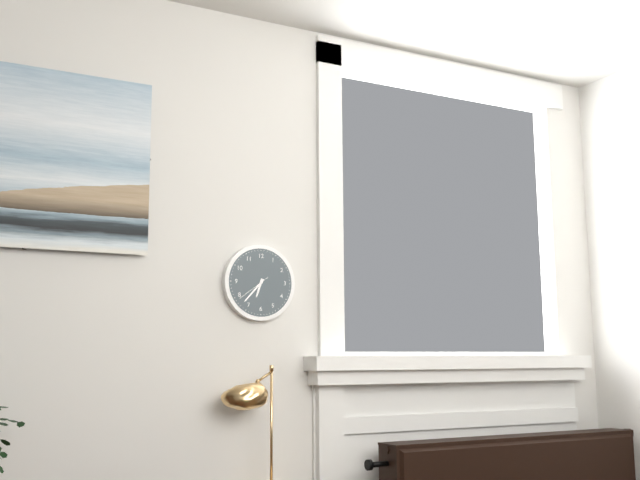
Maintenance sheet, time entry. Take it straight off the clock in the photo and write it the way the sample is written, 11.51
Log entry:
6.37
